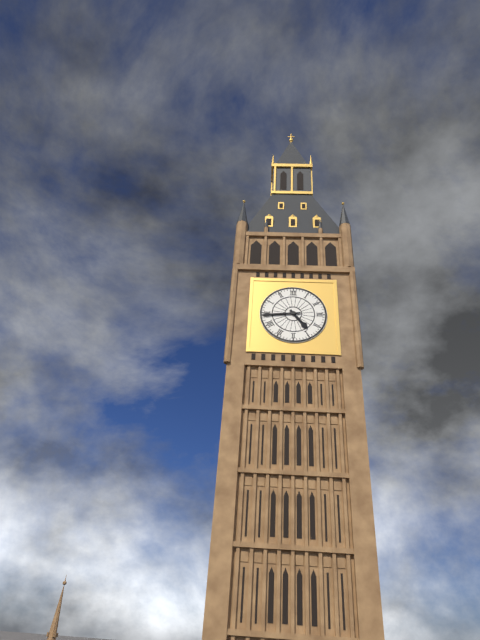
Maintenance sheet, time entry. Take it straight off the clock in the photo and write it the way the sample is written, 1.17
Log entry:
4.44
